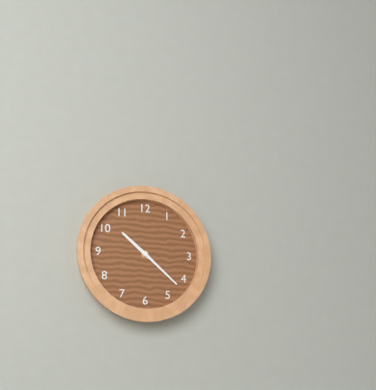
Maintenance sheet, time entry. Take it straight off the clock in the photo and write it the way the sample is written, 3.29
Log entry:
10.22
